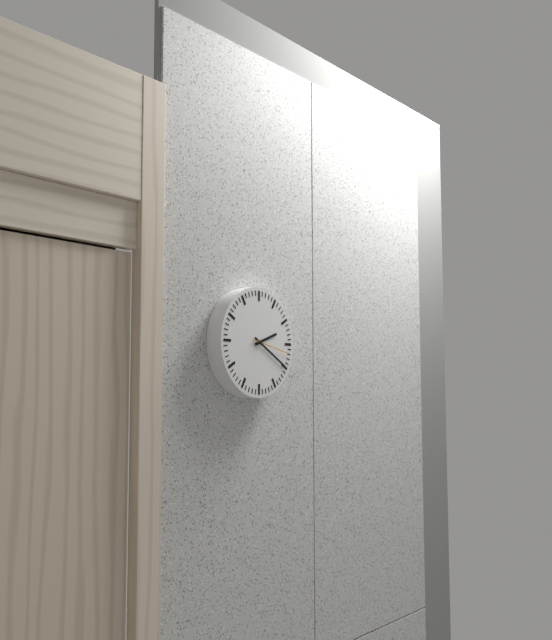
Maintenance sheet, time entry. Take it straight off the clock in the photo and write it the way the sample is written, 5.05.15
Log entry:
2.20.17
